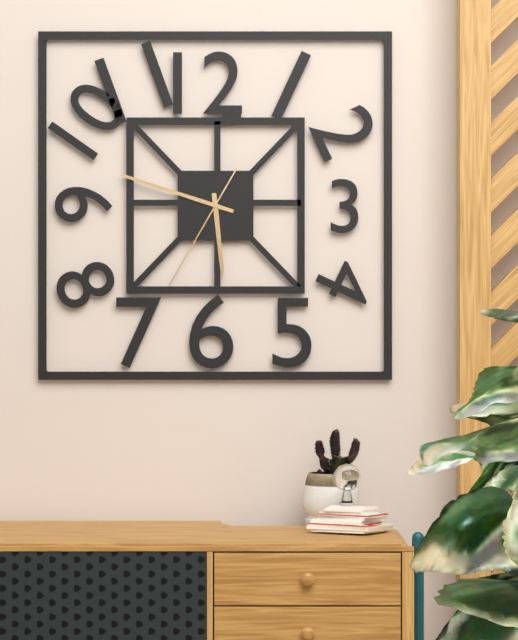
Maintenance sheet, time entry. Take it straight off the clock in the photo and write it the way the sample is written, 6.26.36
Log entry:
5.48.35
